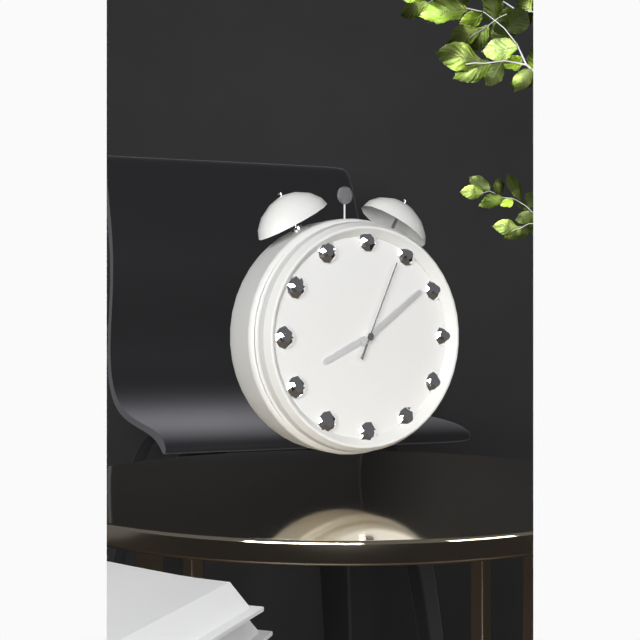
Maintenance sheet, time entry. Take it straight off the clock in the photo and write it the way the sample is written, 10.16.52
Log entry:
8.09.04
